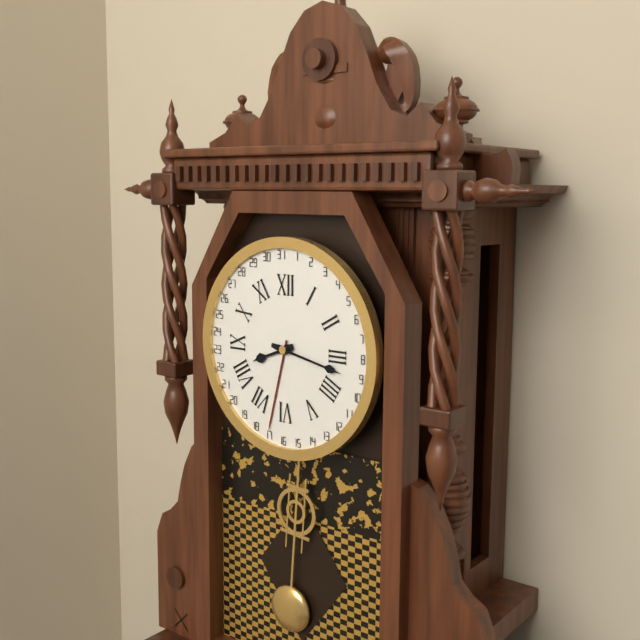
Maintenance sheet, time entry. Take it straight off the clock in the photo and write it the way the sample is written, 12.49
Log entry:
8.17
